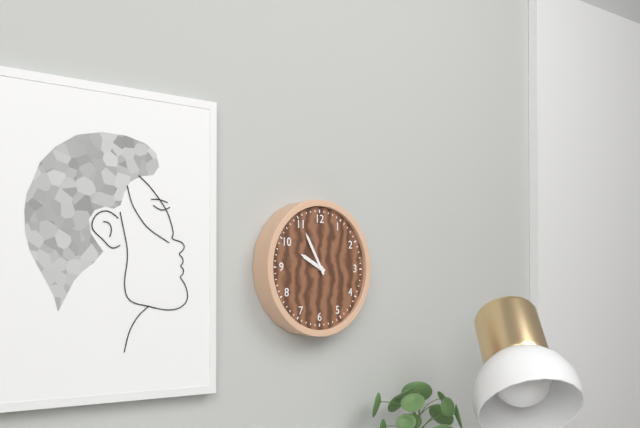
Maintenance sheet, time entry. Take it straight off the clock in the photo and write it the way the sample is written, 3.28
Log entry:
9.55
